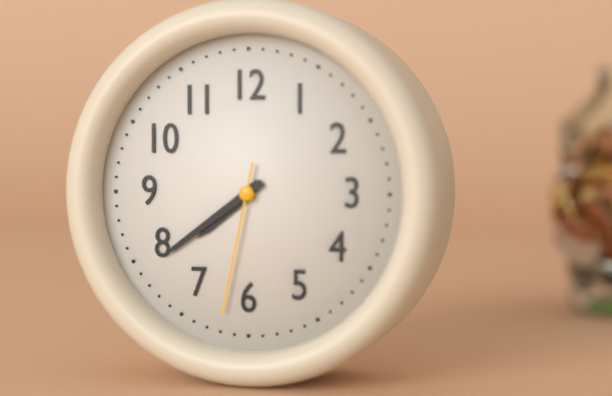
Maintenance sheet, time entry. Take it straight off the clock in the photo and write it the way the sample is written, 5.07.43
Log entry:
7.39.32
